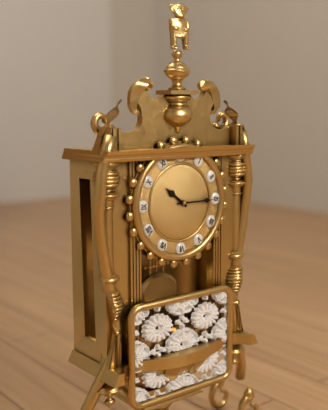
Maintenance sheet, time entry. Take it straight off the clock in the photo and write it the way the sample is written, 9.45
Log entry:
10.15
